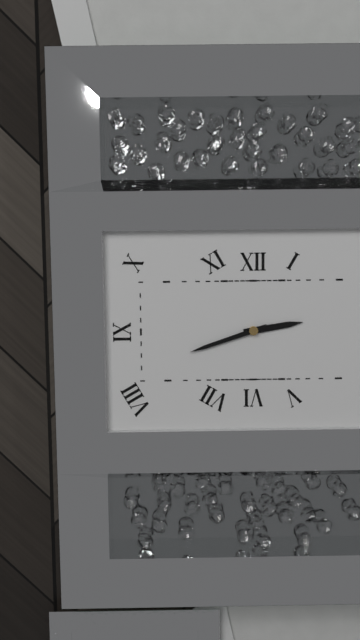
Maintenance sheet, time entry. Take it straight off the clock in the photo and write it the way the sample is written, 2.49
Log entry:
2.42
